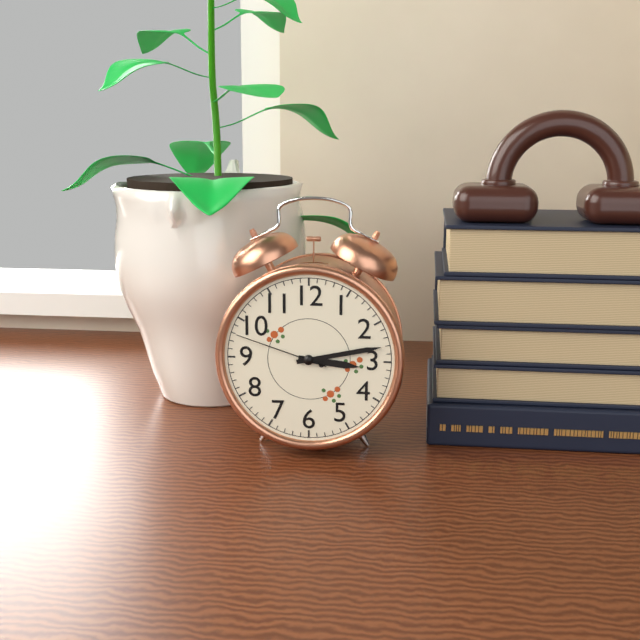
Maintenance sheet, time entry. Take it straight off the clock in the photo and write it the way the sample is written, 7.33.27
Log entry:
3.13.48
